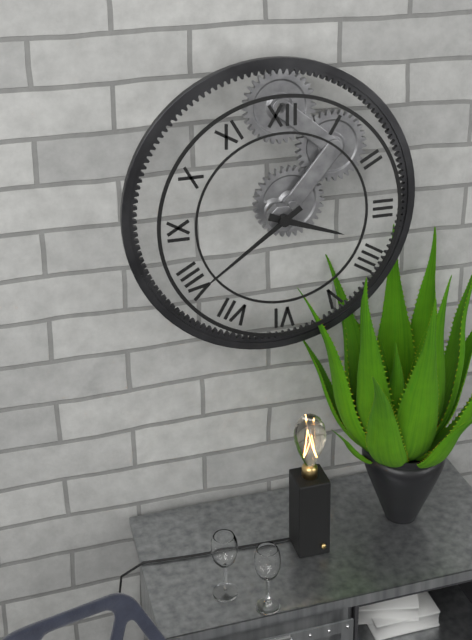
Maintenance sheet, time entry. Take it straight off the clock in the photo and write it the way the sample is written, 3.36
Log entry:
3.39
